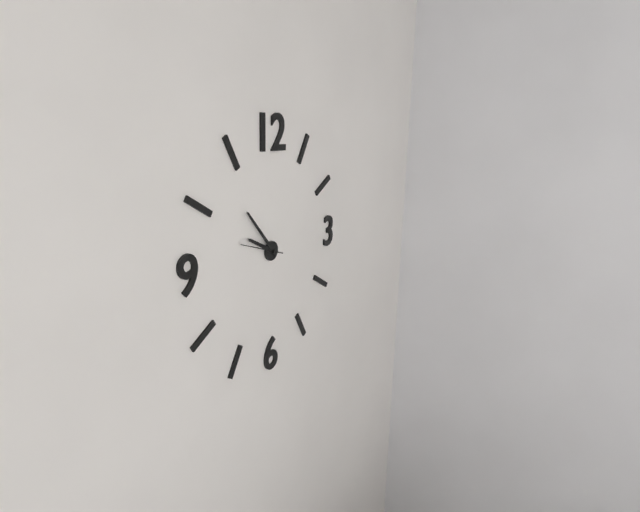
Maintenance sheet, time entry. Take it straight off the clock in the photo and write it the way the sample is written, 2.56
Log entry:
9.53
